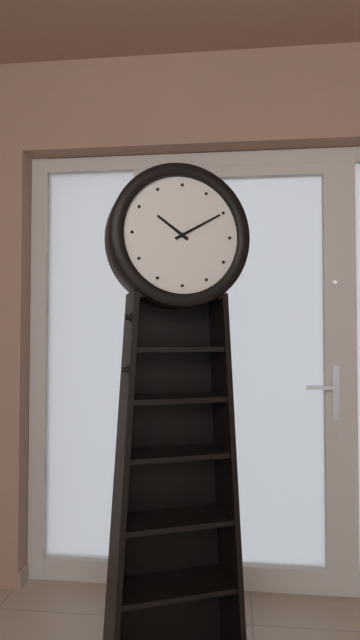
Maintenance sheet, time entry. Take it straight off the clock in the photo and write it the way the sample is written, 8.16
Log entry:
10.10
